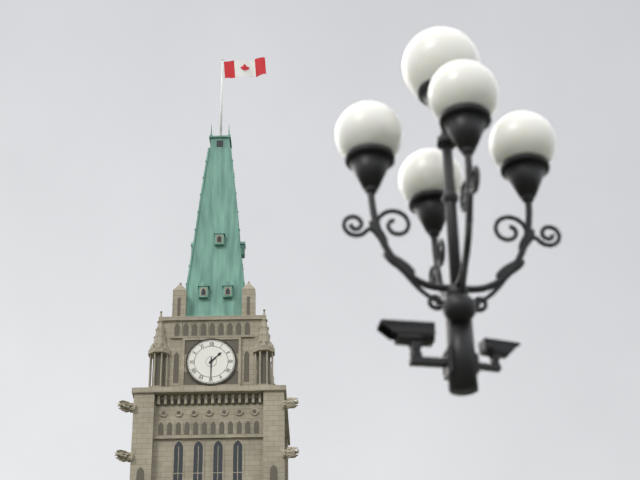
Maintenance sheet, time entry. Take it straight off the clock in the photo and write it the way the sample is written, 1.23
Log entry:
1.30
